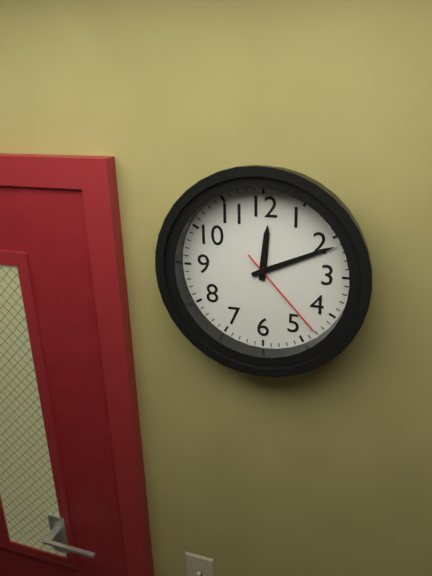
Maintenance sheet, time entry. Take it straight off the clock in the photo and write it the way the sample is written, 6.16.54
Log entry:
12.11.23
